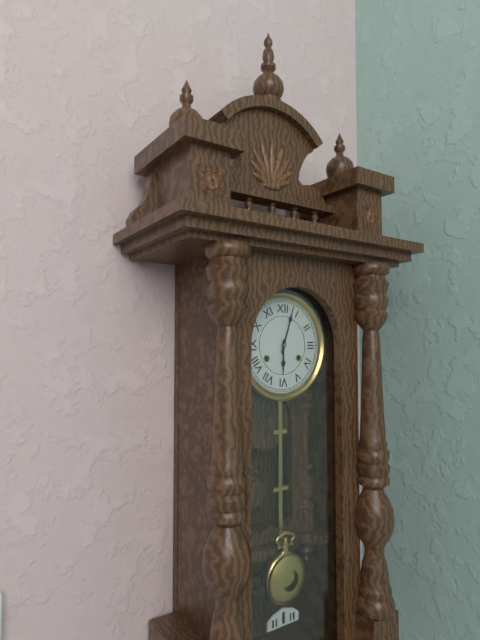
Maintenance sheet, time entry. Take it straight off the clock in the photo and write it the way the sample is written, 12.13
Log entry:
6.03
